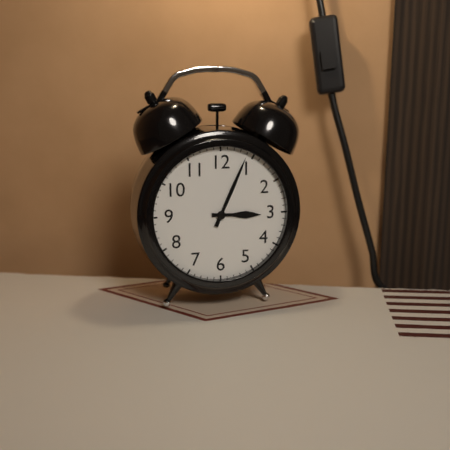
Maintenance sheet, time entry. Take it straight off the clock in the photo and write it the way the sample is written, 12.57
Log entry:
3.04
